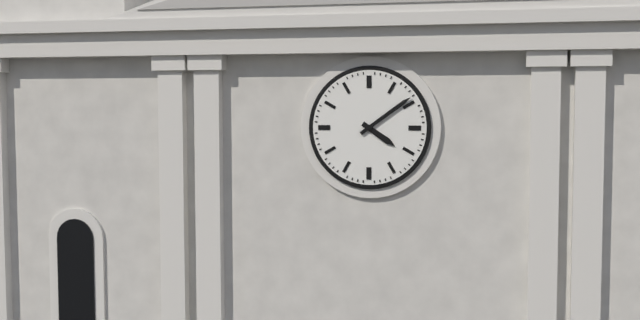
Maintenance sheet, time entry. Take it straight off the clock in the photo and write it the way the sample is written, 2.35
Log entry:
4.09
